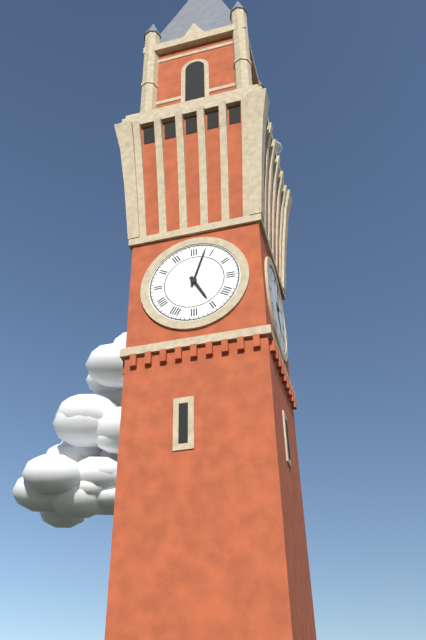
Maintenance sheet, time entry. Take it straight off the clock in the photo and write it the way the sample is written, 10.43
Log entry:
5.03
